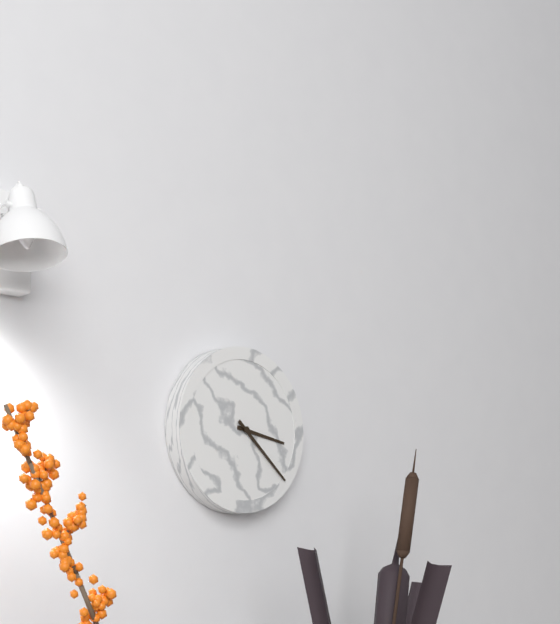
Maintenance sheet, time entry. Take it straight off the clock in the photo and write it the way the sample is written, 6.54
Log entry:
3.22
